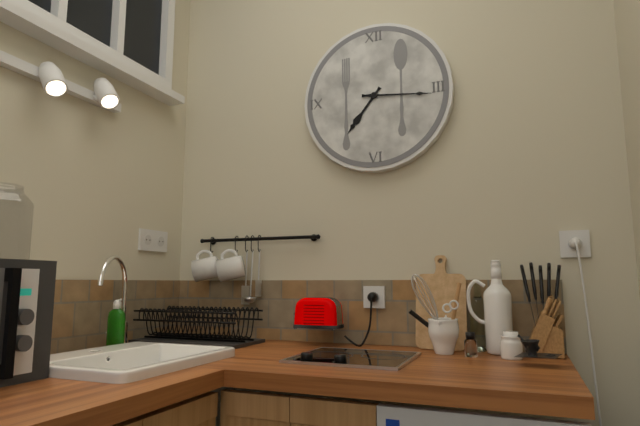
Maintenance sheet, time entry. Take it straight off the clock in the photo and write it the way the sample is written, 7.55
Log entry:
7.16
